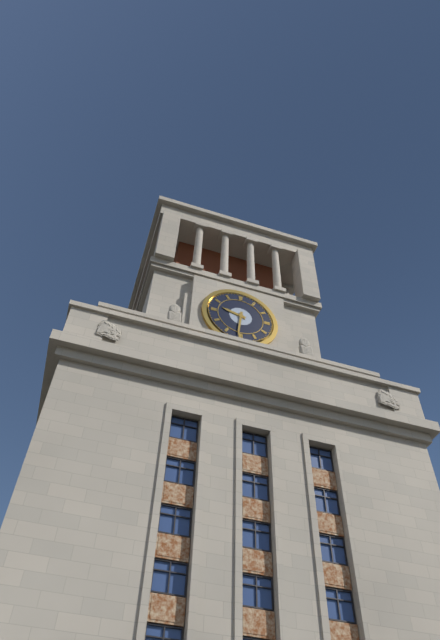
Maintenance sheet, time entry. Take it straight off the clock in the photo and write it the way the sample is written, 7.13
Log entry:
9.31
